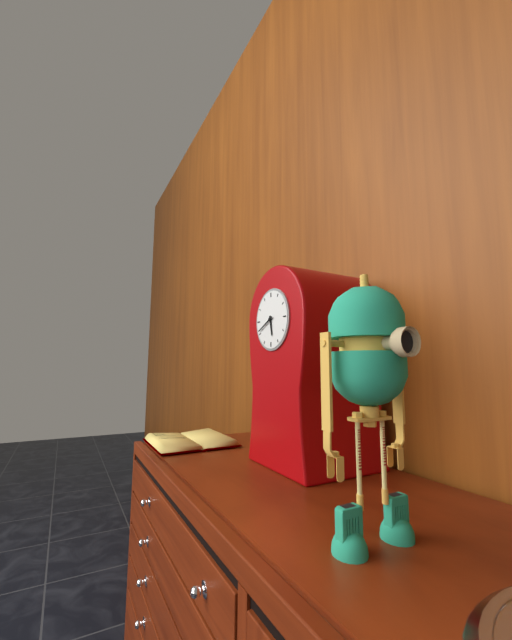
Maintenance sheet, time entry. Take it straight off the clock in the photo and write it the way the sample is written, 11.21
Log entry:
5.41
